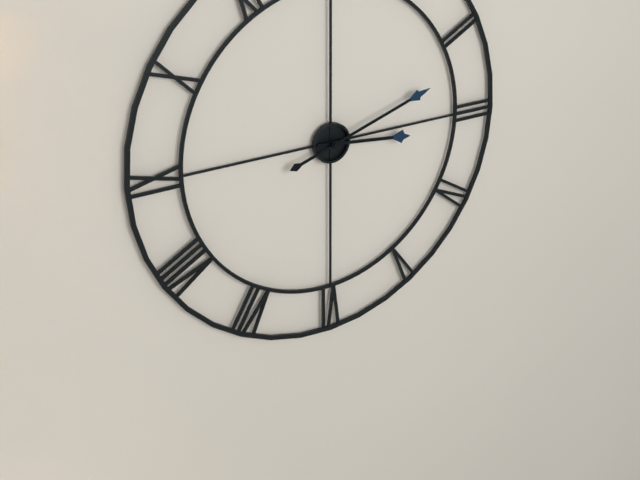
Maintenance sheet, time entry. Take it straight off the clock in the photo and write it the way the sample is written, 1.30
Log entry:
3.12
